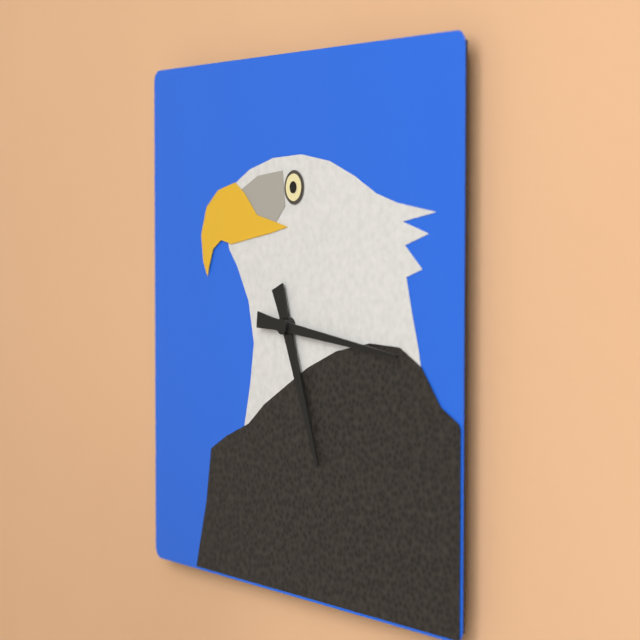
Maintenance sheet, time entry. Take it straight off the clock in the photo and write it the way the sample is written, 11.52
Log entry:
5.16
